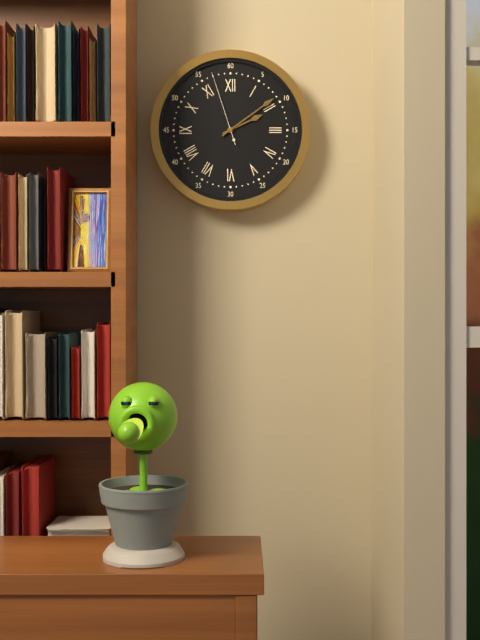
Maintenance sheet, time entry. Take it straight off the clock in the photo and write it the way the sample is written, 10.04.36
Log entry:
2.09.57
